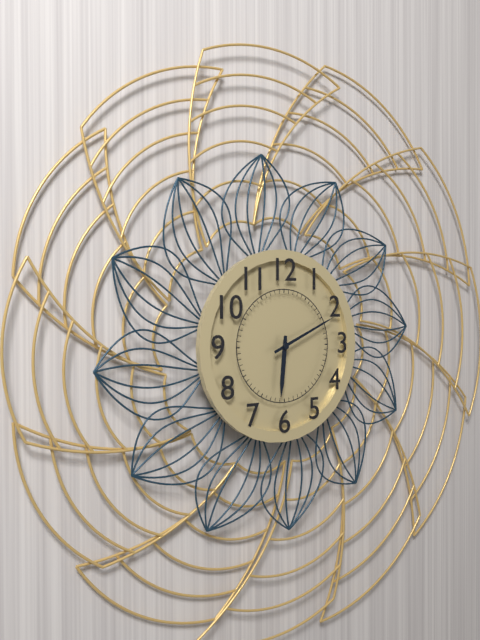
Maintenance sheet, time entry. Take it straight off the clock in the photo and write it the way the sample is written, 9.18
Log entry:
6.11
